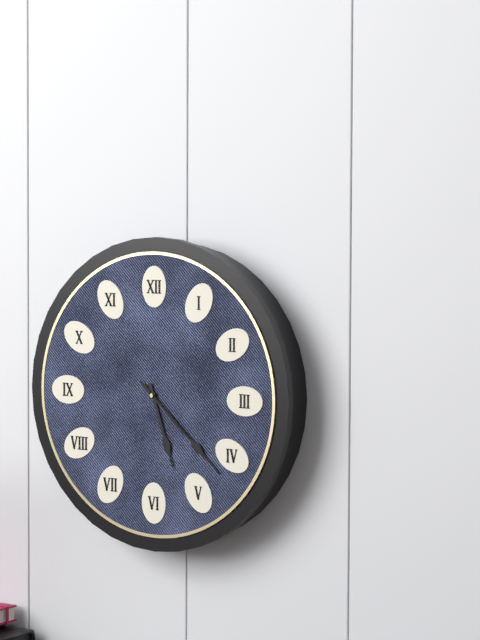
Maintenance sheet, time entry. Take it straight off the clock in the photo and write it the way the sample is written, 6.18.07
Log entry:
5.22.22
